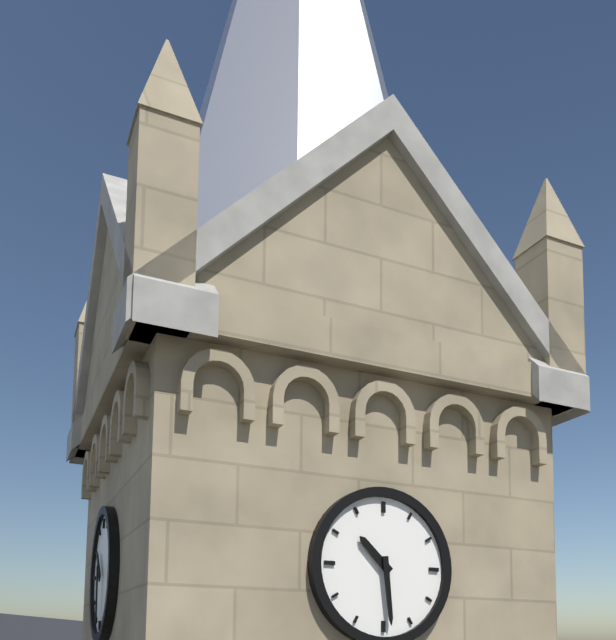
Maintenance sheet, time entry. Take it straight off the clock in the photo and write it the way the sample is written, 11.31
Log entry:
10.29
